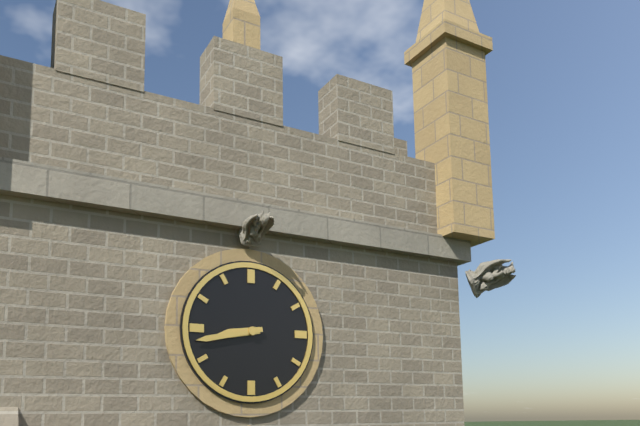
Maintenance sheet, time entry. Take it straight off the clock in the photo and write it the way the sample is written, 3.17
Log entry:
8.43
